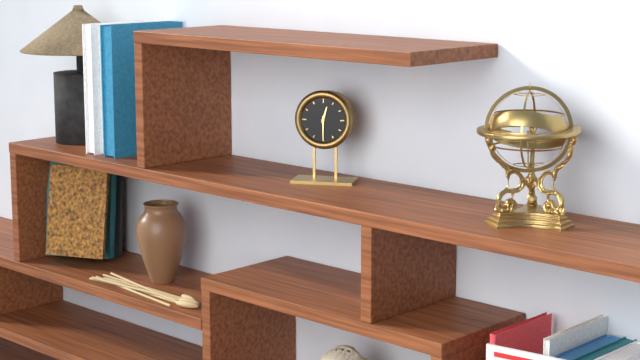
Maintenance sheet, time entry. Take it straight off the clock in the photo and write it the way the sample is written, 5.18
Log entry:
12.30
